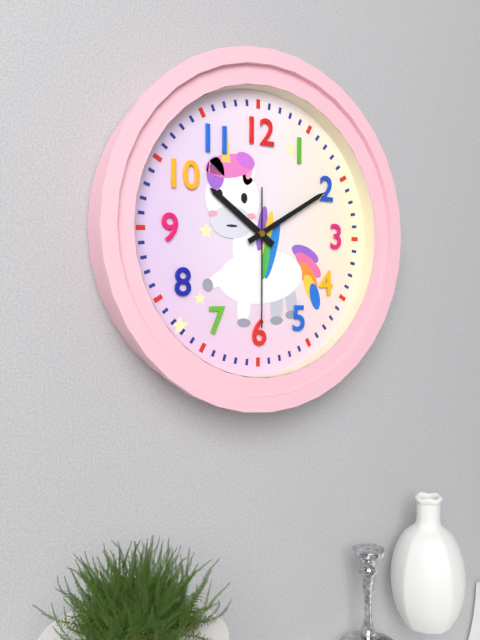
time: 10:10:30
